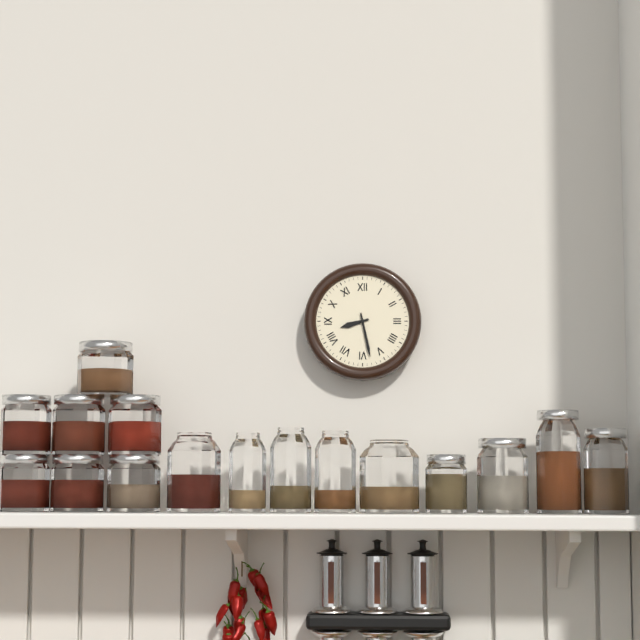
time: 8:28
